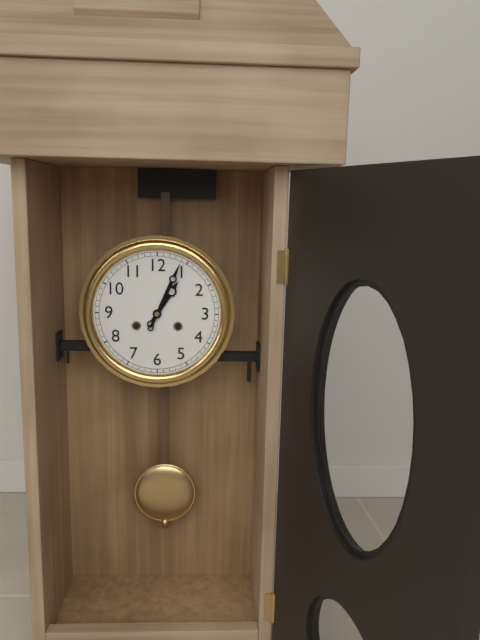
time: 1:04
